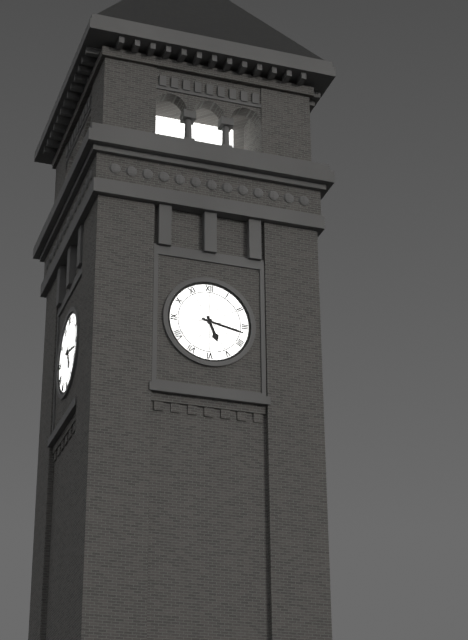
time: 5:17
